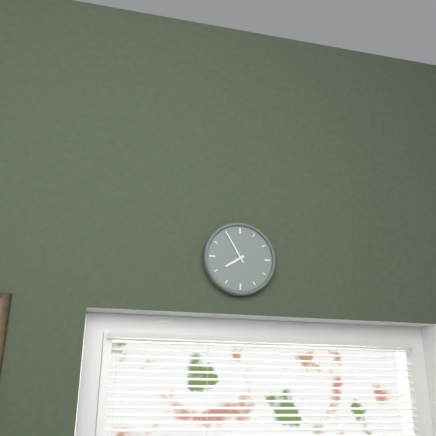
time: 7:55
